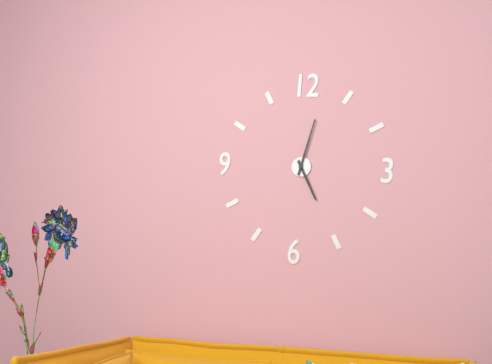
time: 5:02
